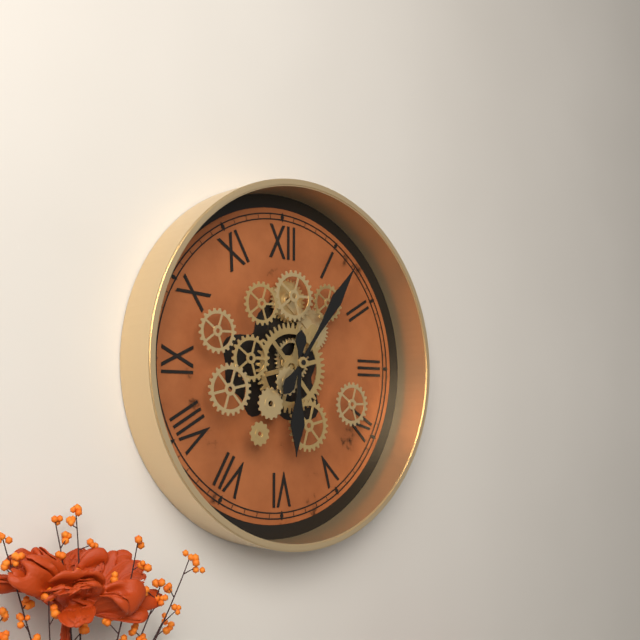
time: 6:06
